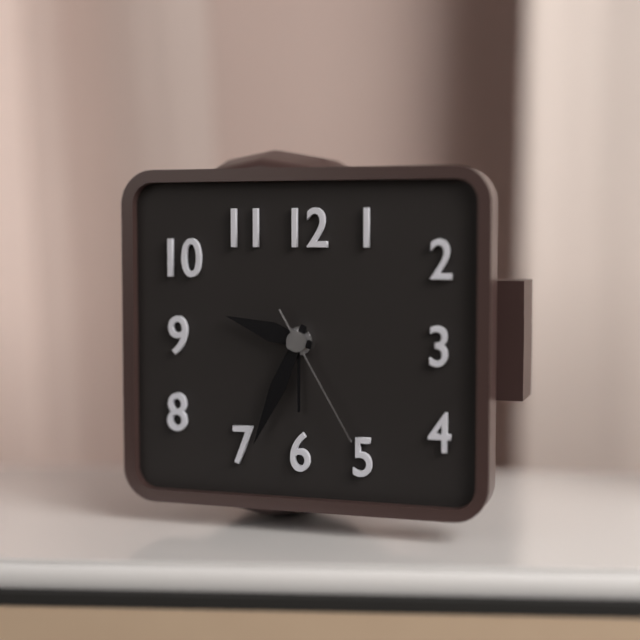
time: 9:34:25
